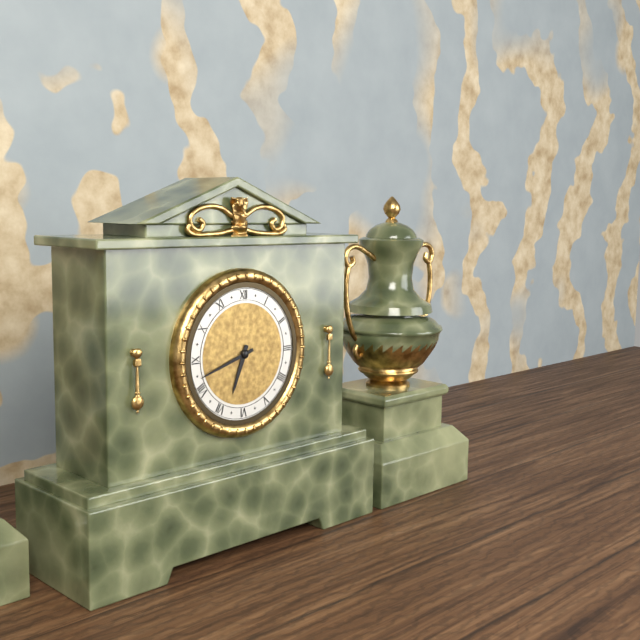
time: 6:42
